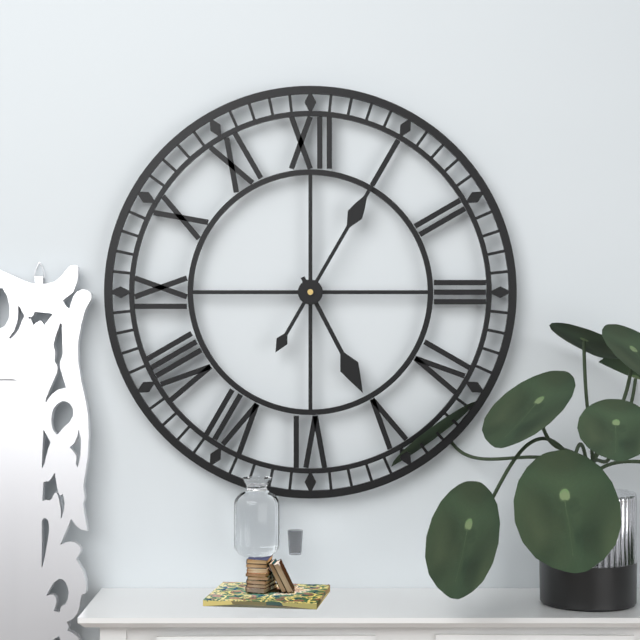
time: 5:05
